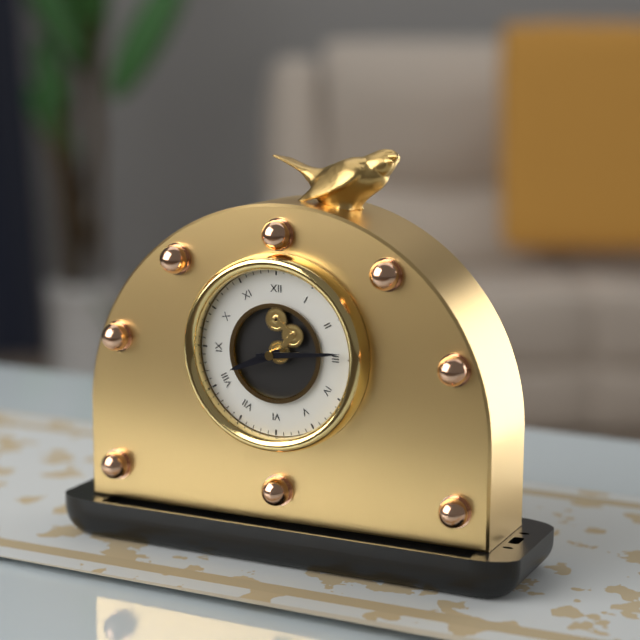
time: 8:14
